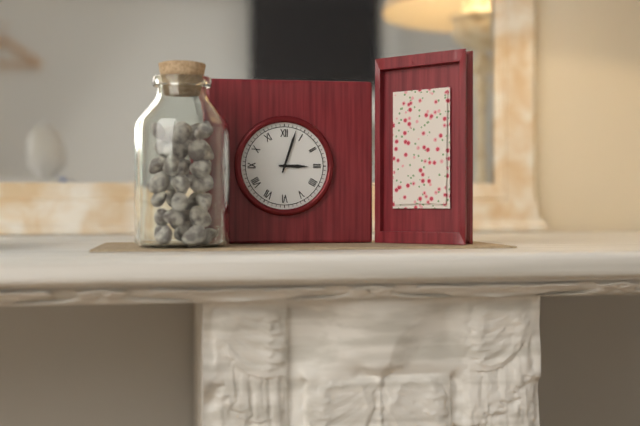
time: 3:03
